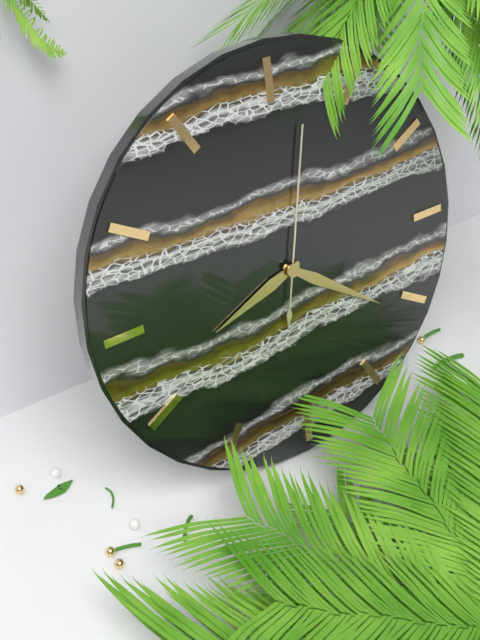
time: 8:21:02
